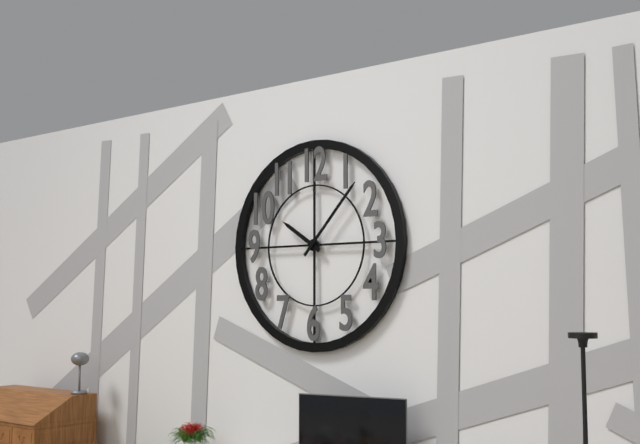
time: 10:07
